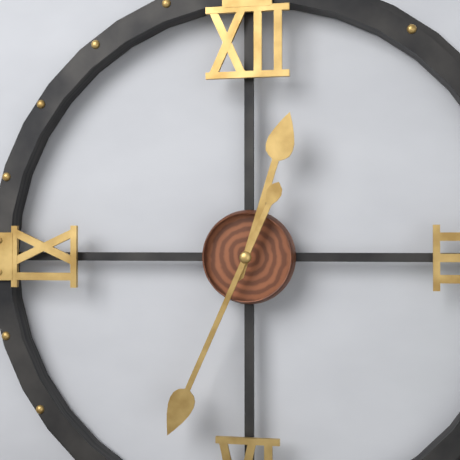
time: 12:34
